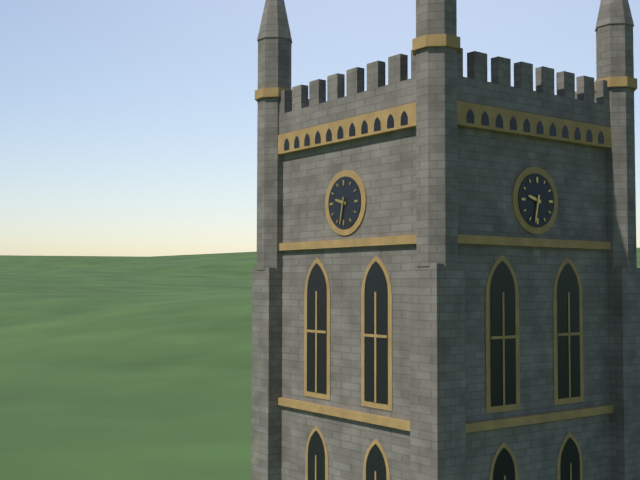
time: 9:32
